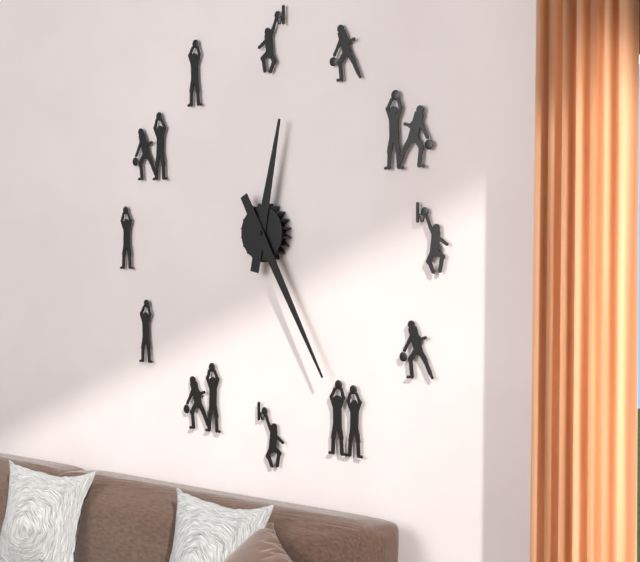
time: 12:25
